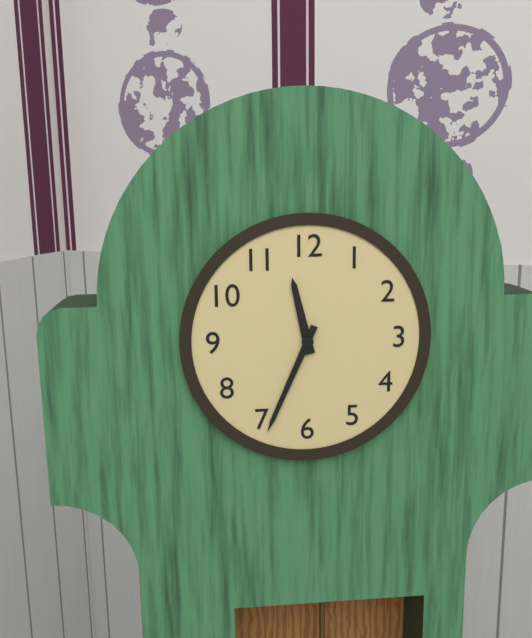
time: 11:34
